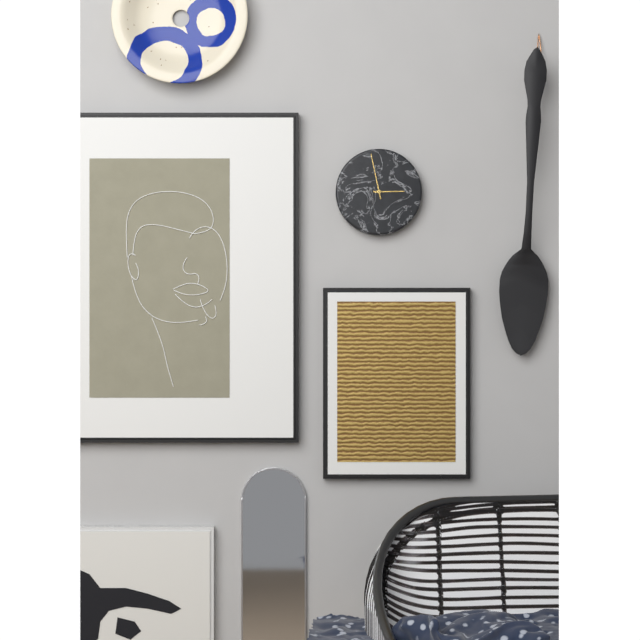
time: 2:58
